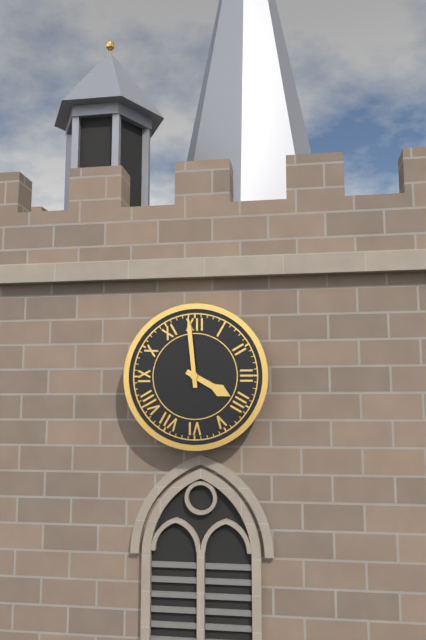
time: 3:59
